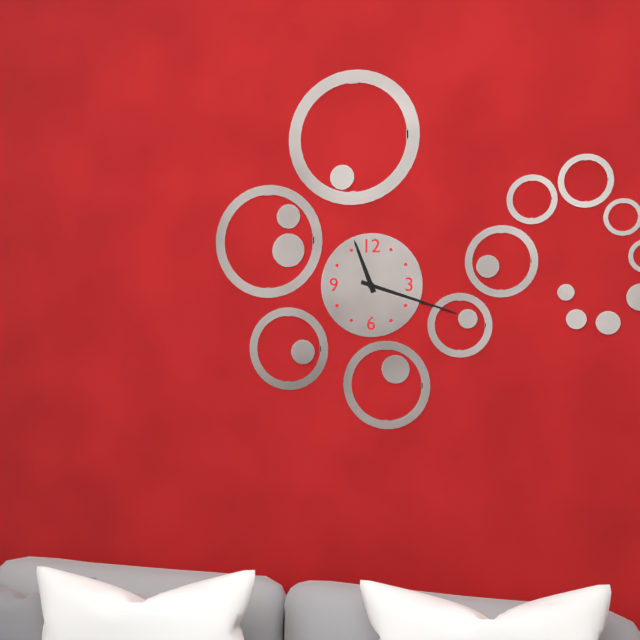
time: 11:18
